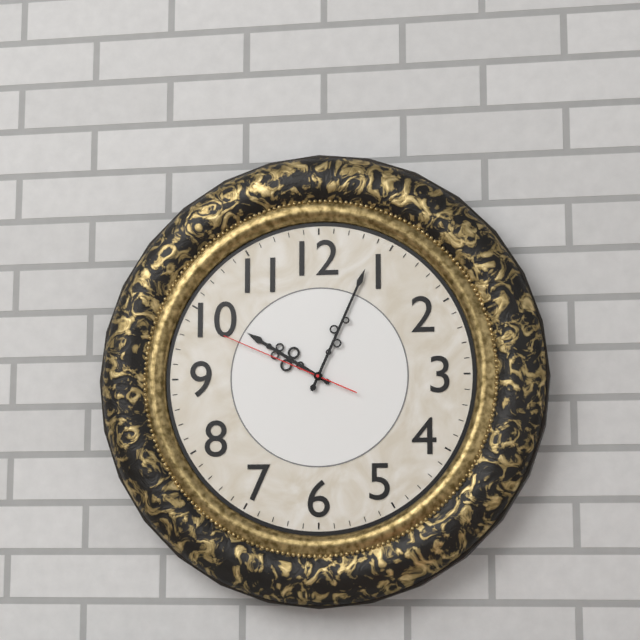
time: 10:04:49
